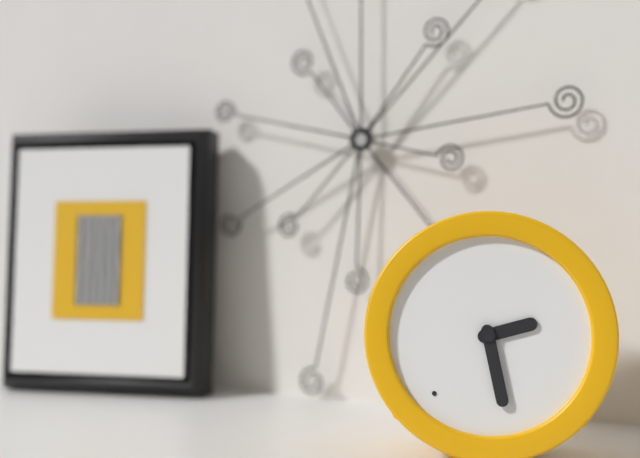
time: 2:28
